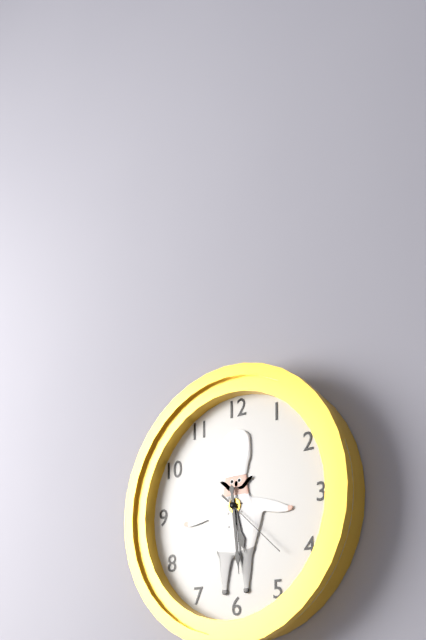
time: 5:29:22
